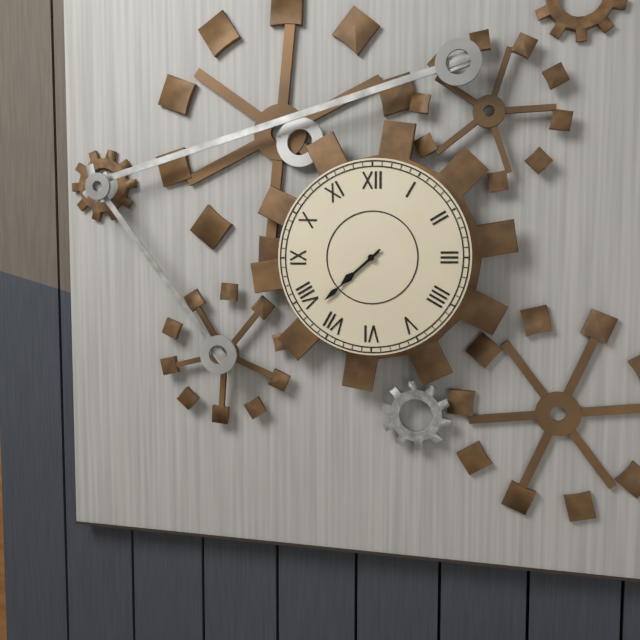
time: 7:38
